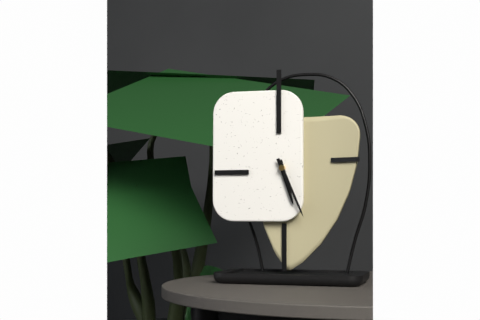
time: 5:26
